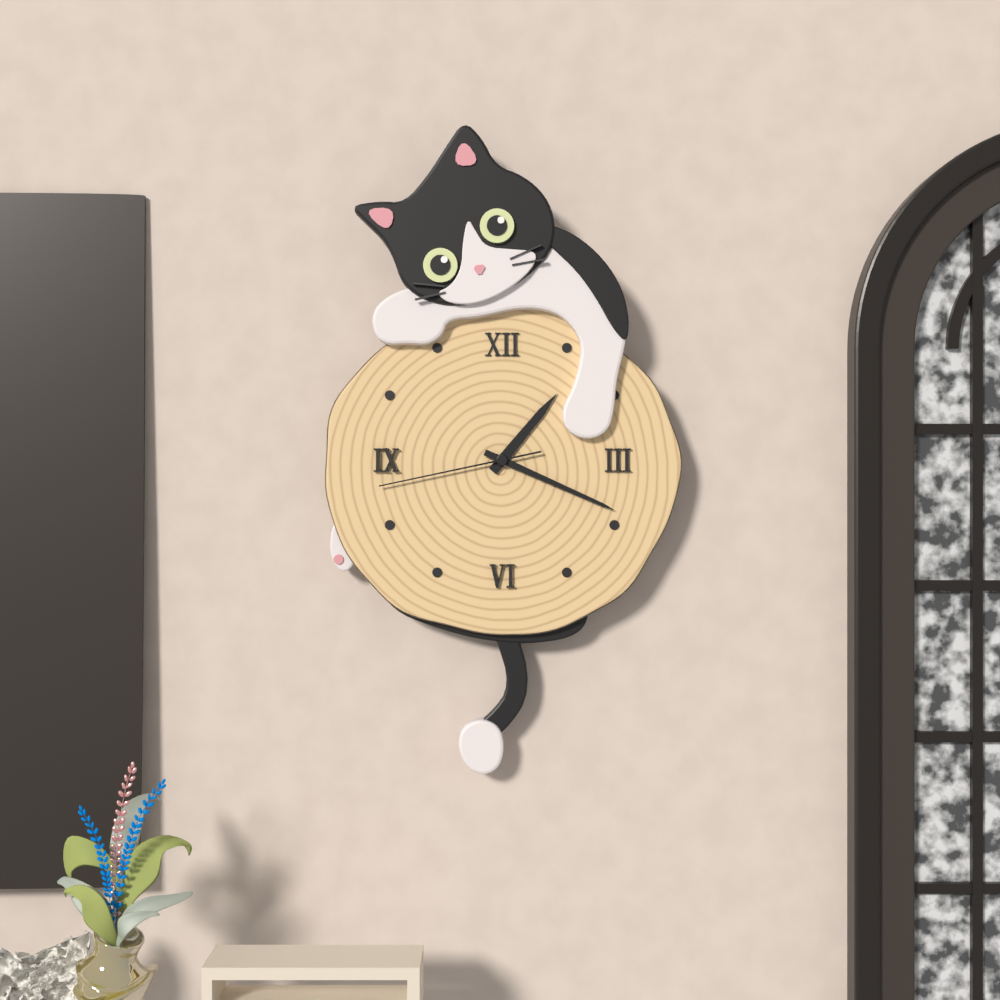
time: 1:19:43
